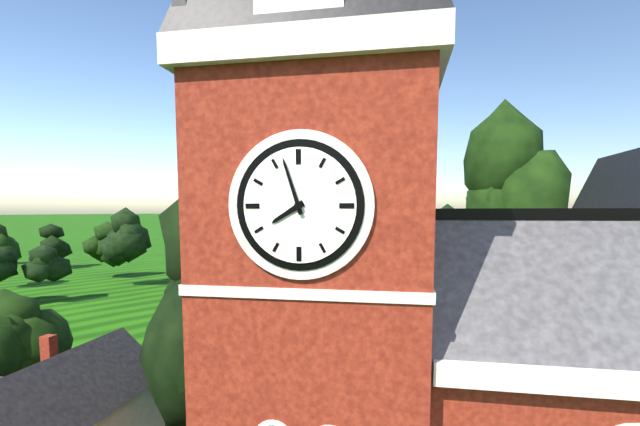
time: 7:57
